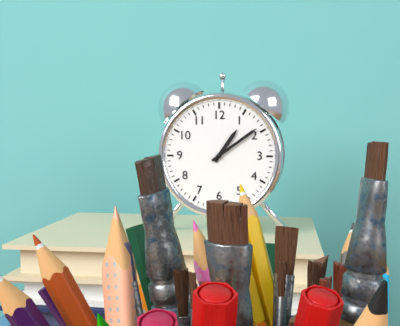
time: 1:09
